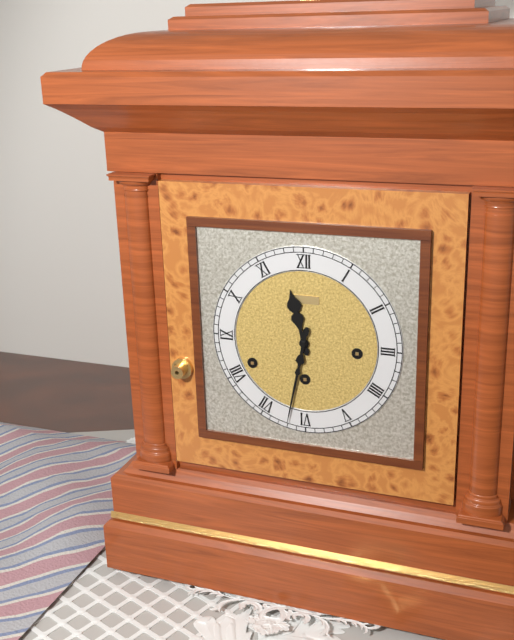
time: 11:32
